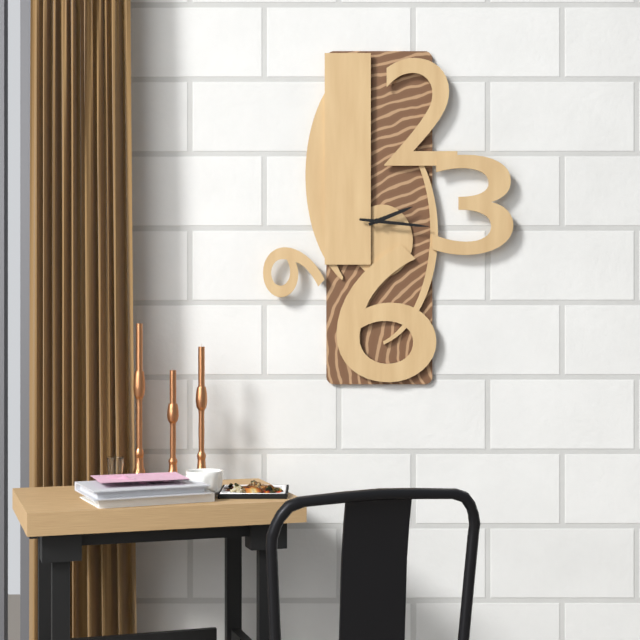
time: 2:16
